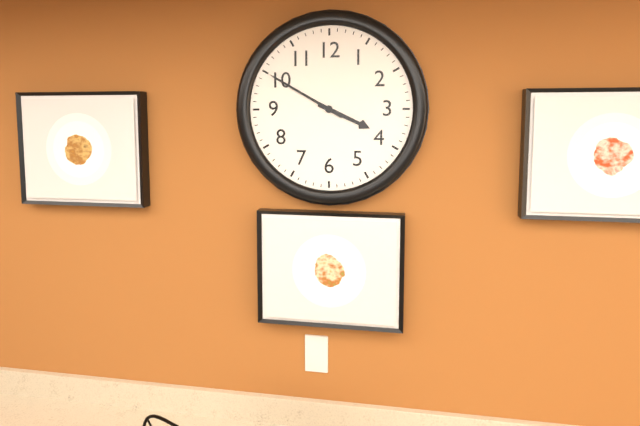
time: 3:50
